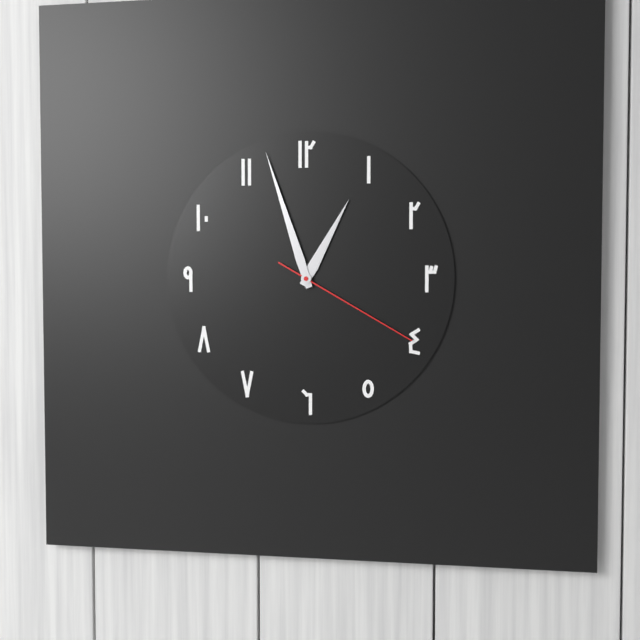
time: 12:57:20
